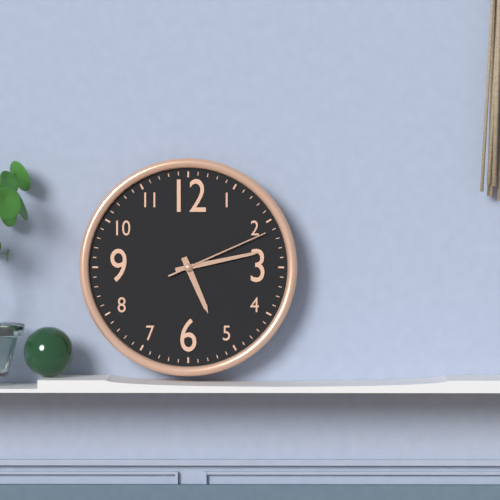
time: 5:13:11
